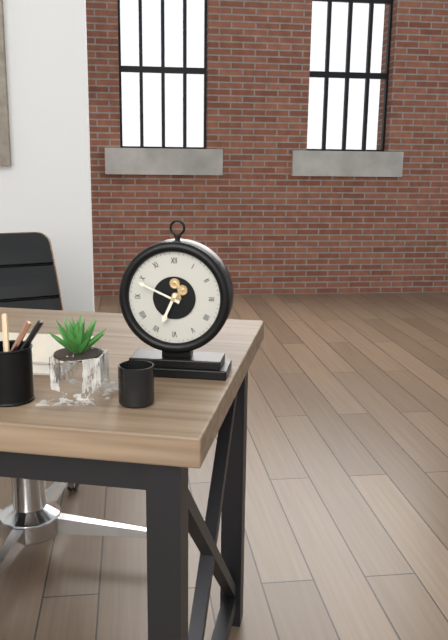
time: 6:49
